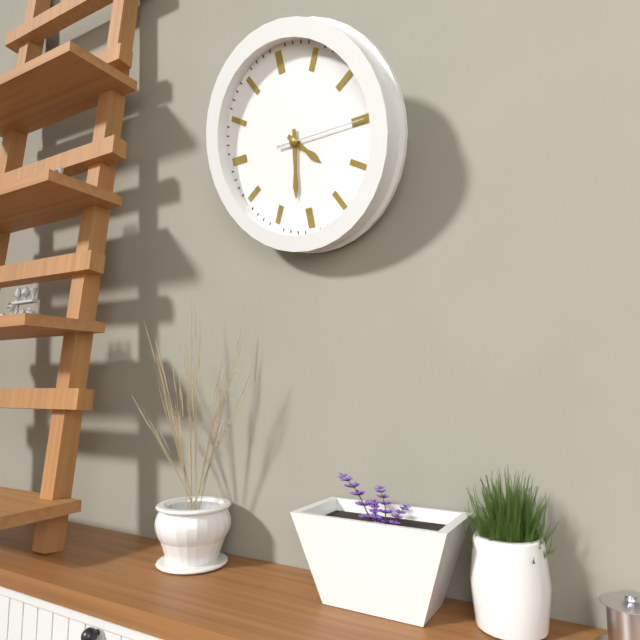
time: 4:32:15
